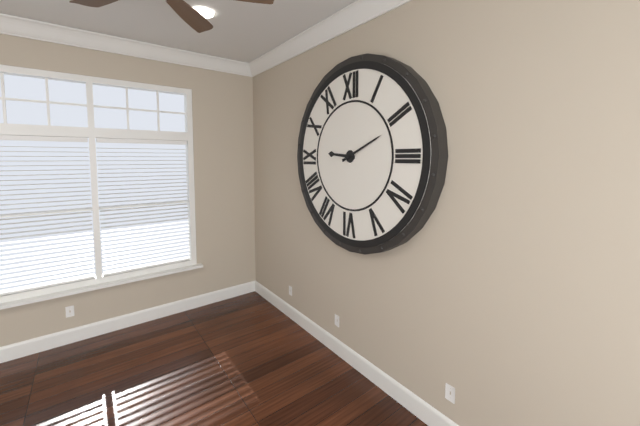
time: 9:11
